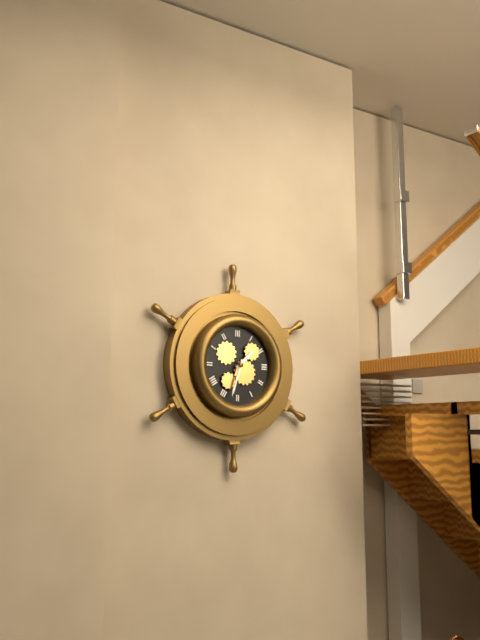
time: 1:33
